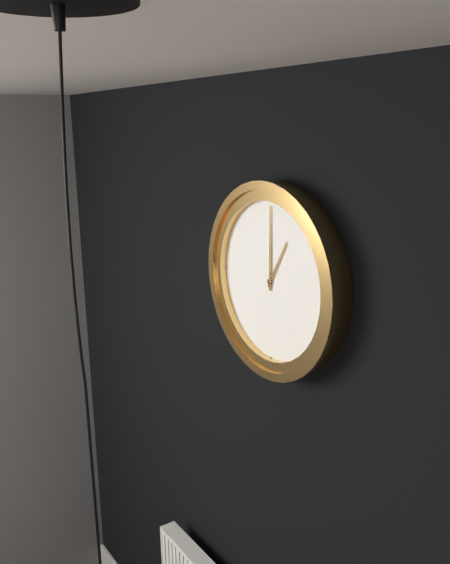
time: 1:00
